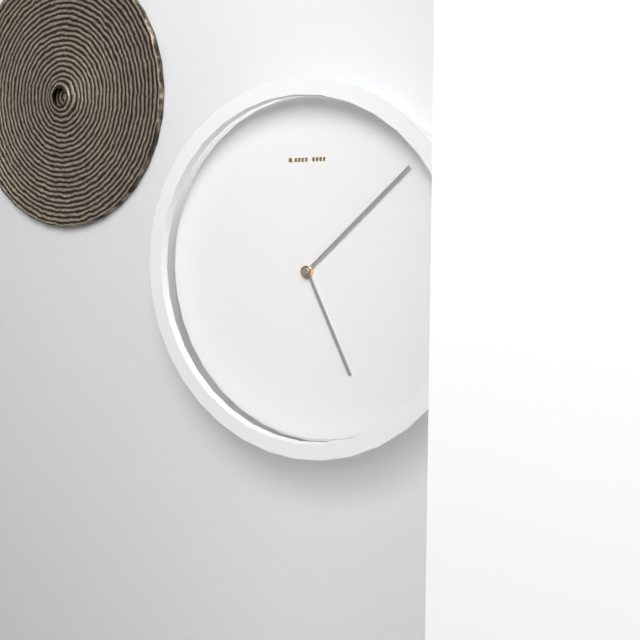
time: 5:08
